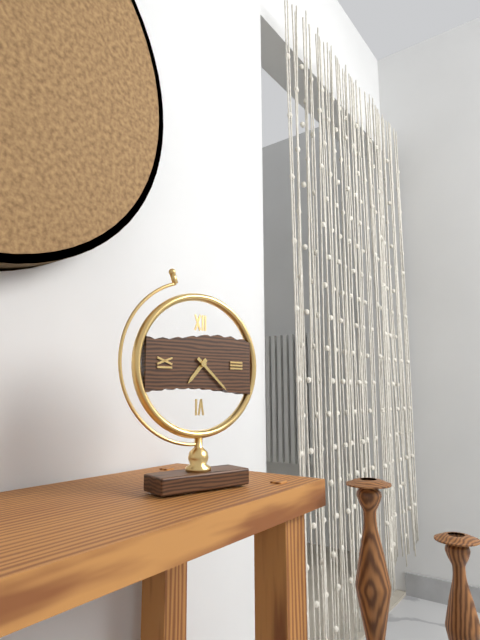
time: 7:22
